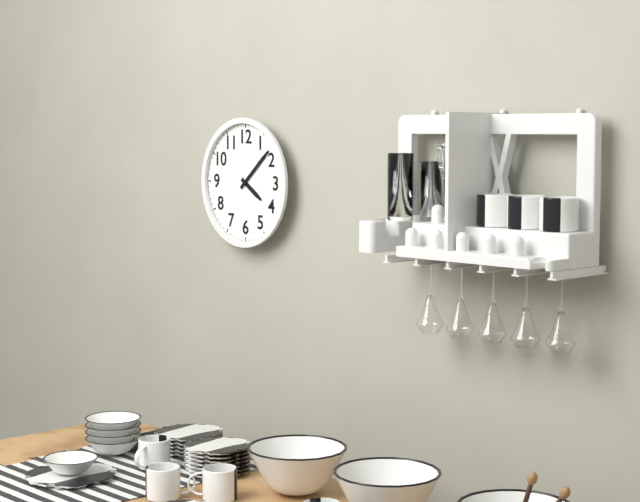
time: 4:08
